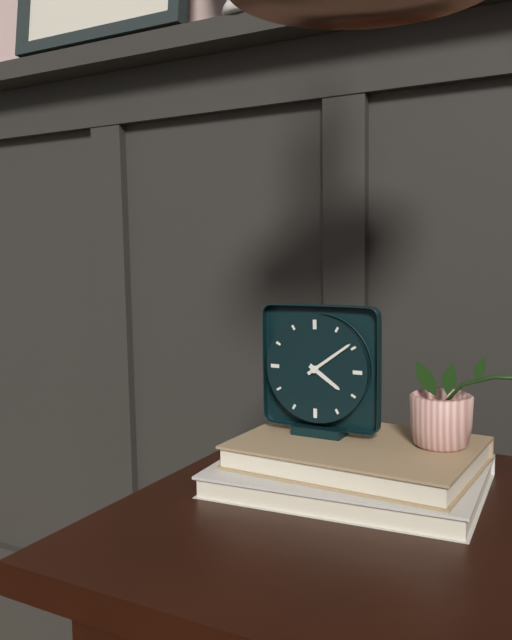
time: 4:09
